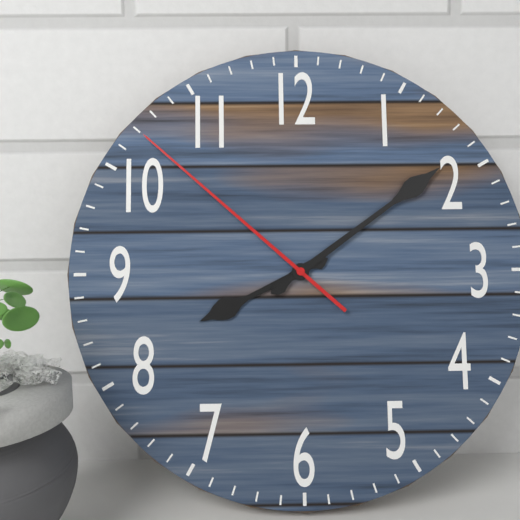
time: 8:09:52
